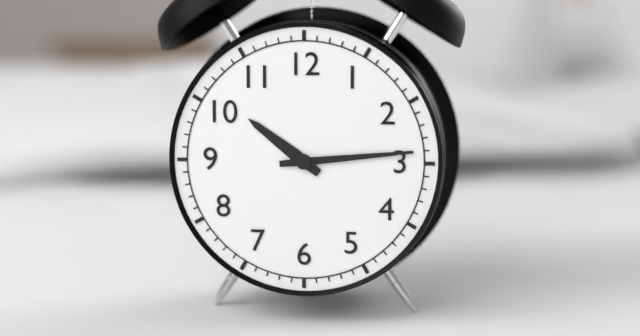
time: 10:14
